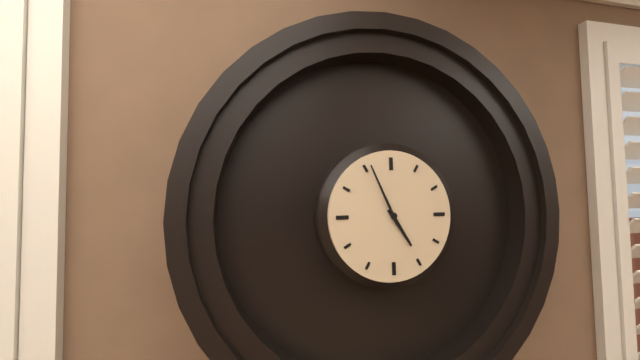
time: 4:56
